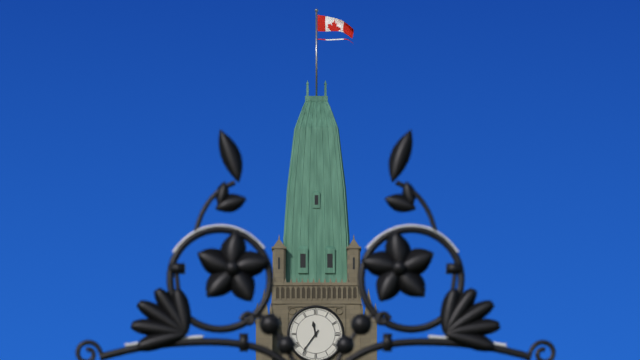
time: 11:36
